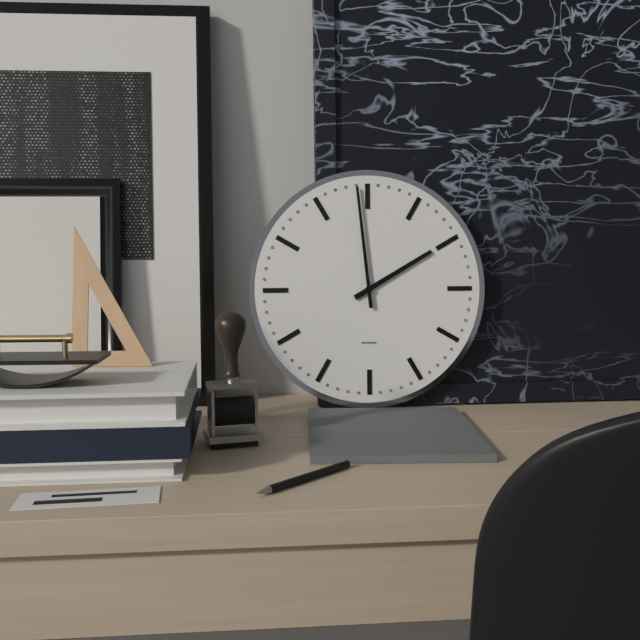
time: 1:59
